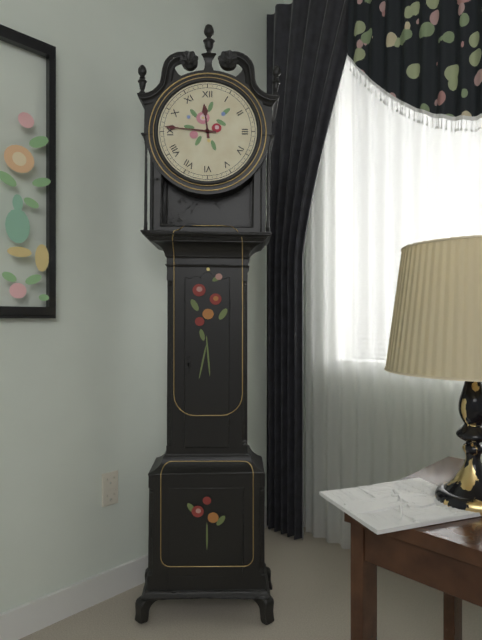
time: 11:46
